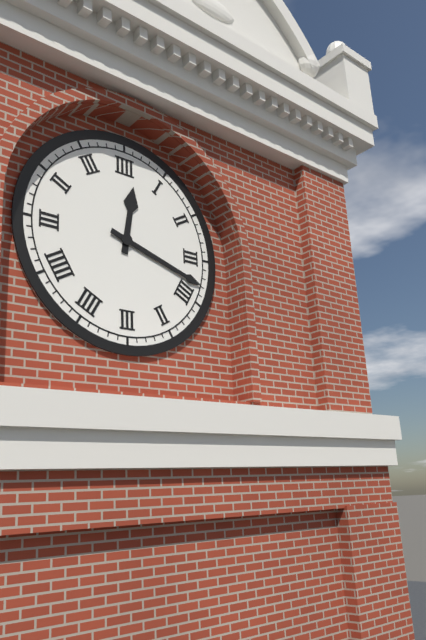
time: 12:18
